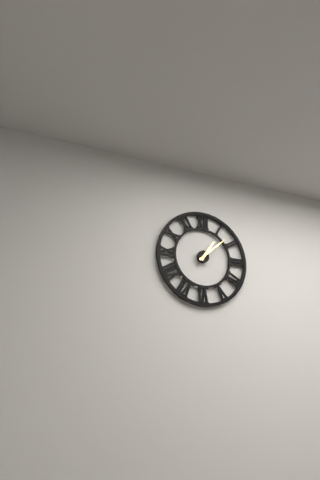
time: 1:08
